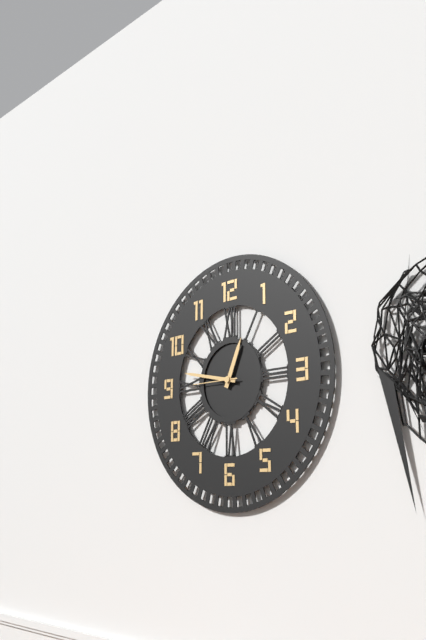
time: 12:47
